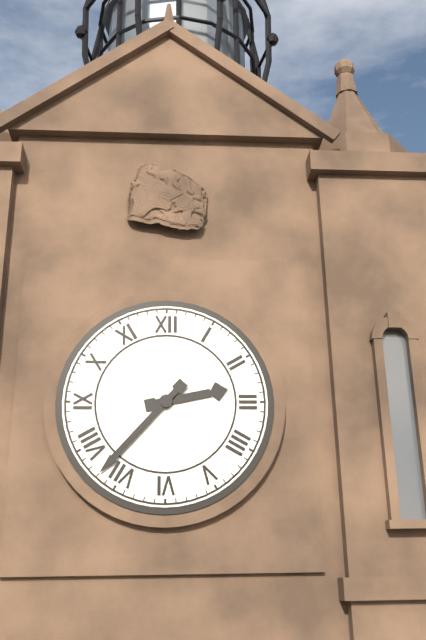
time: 2:37
